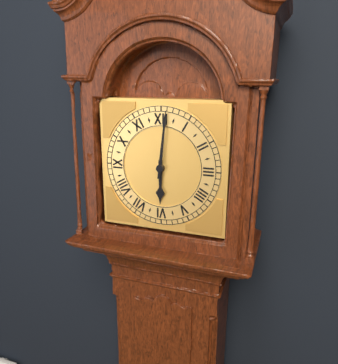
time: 6:01
